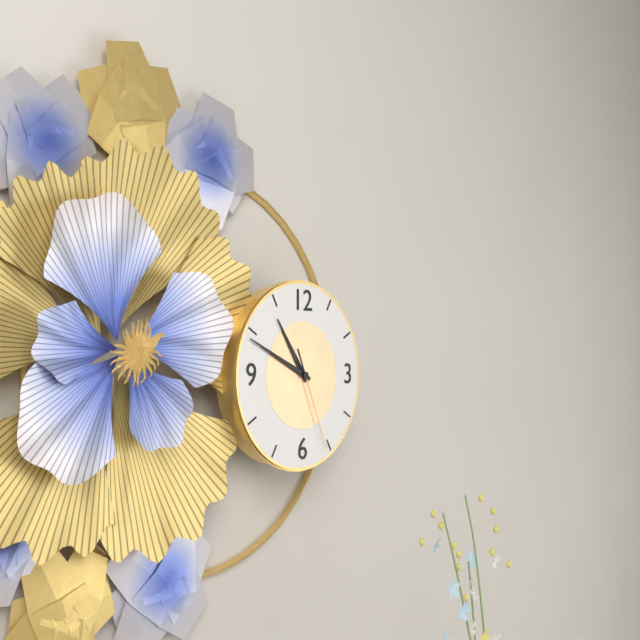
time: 10:49:26
